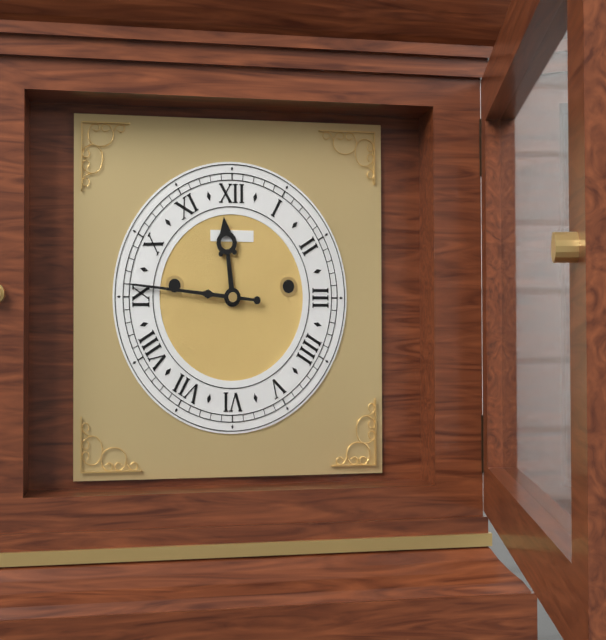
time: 11:46
